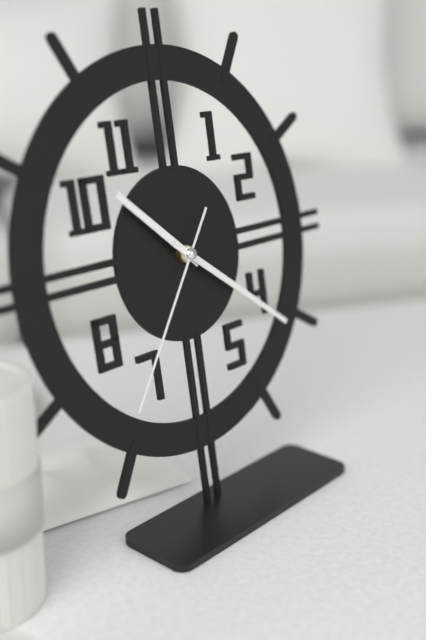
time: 10:21:36
